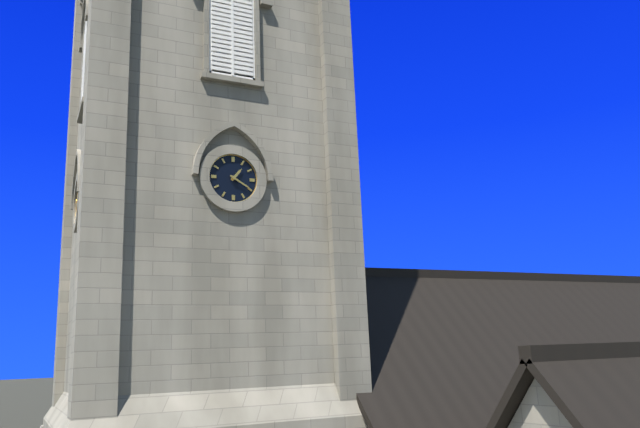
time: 1:20
